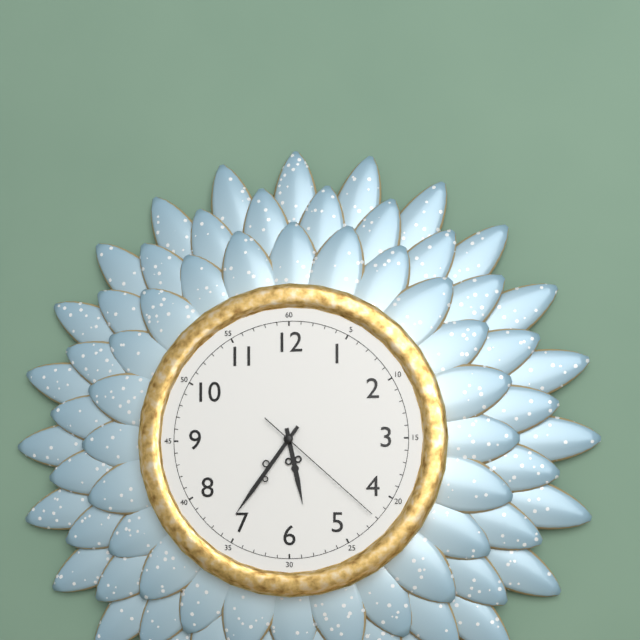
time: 5:36:22
